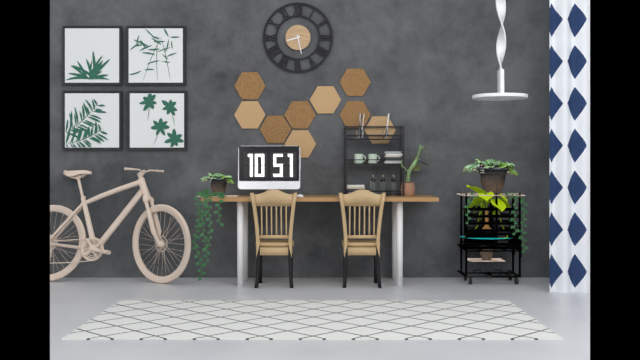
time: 8:28
